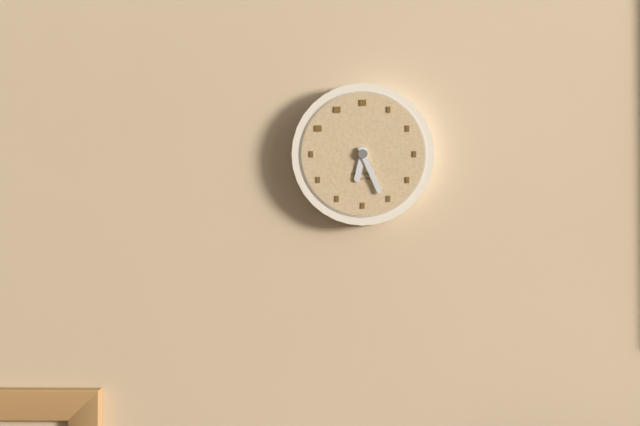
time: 6:26
